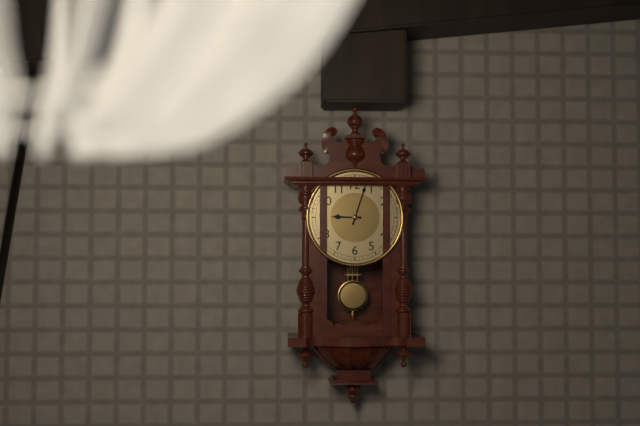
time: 9:03
